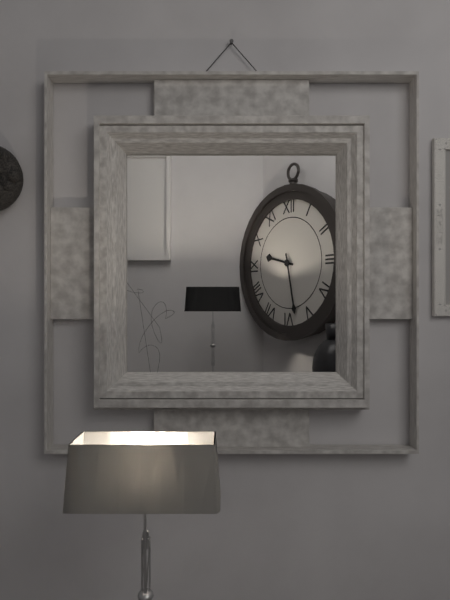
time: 9:28
